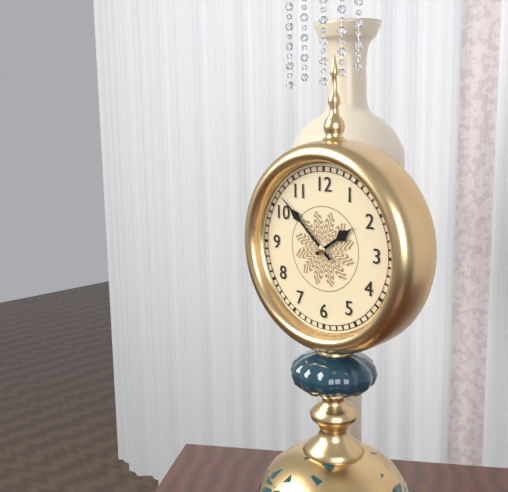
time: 1:52
